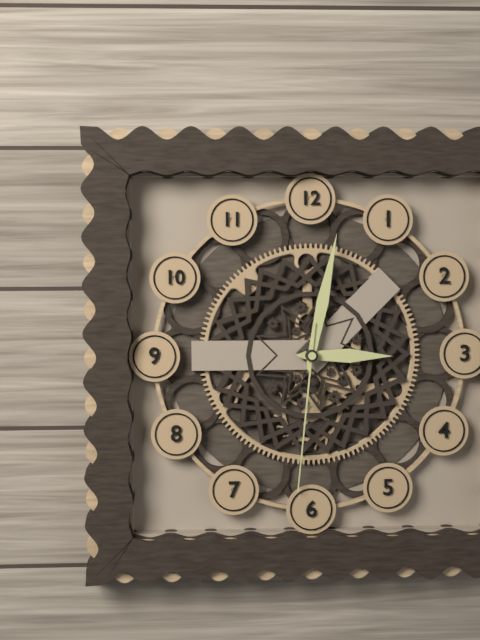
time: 3:02:31
